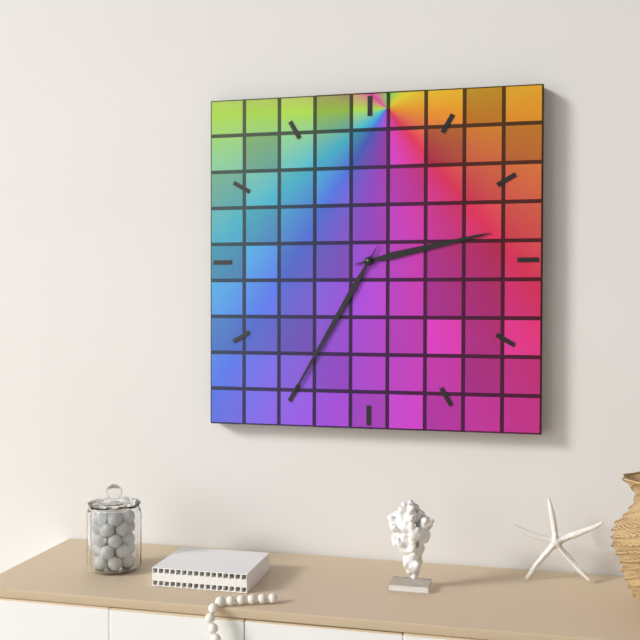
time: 2:35
